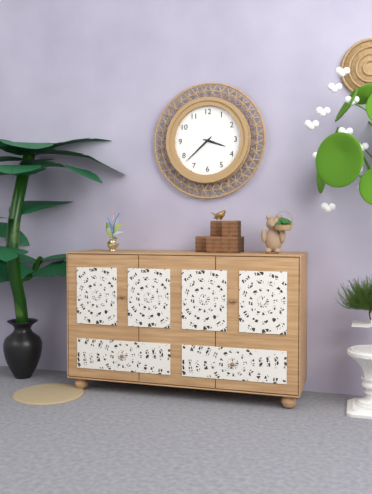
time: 3:38
